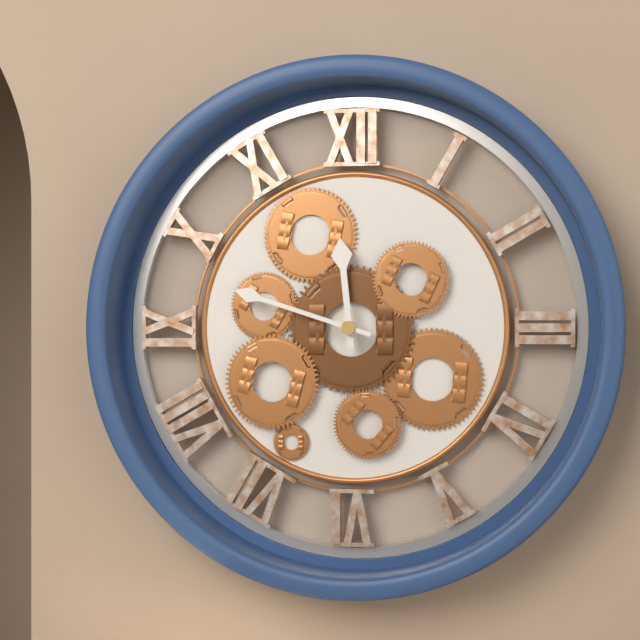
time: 11:48
